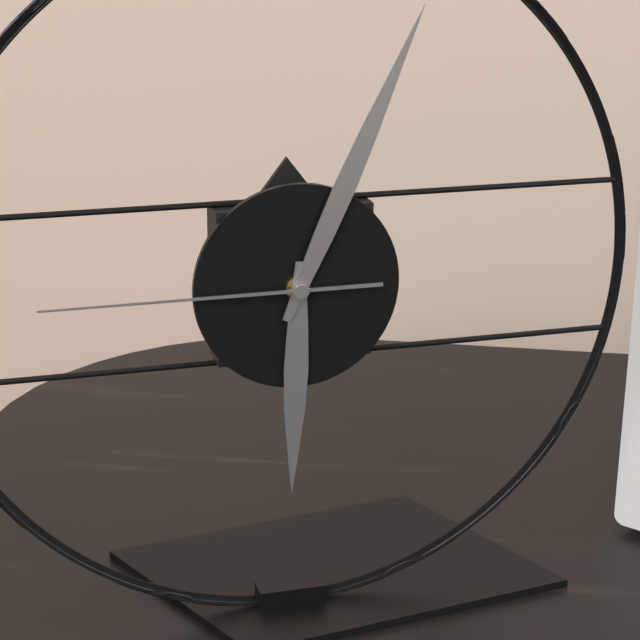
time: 6:04:45
